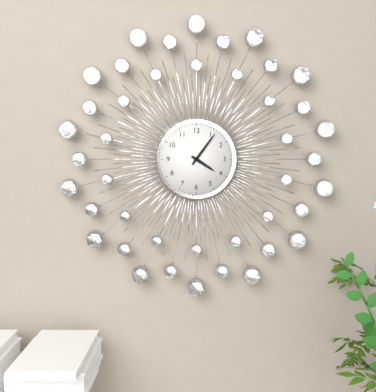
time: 4:06
